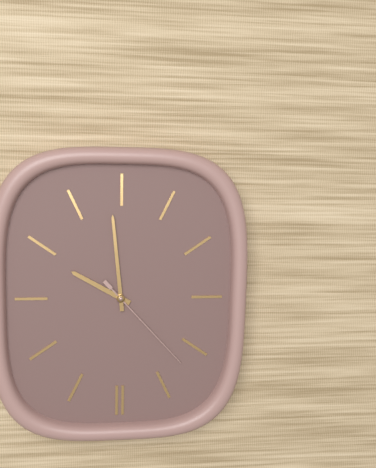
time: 9:59:23
